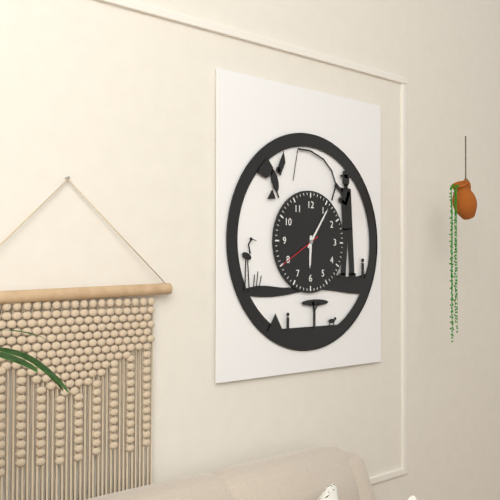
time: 6:06
